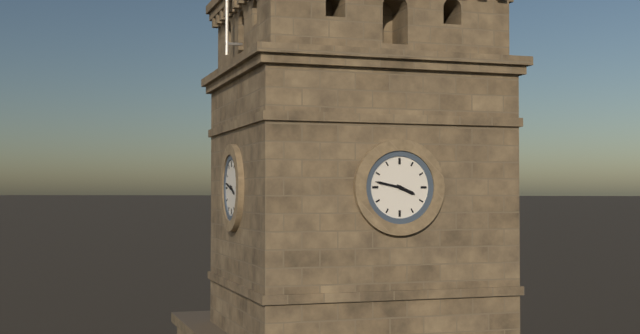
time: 3:47
